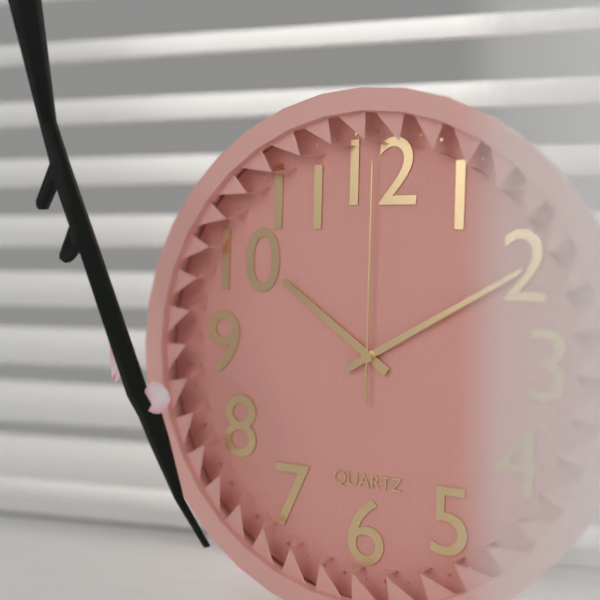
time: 10:10:00
